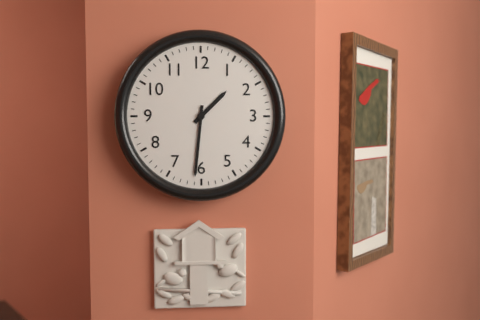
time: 1:31
